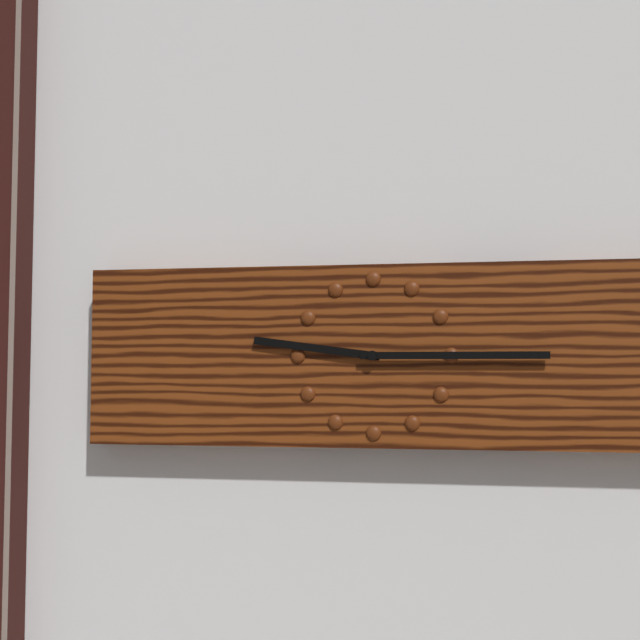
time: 9:15
